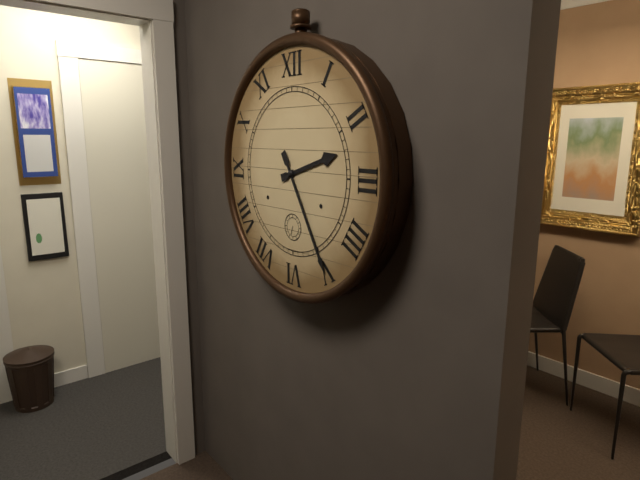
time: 2:25
